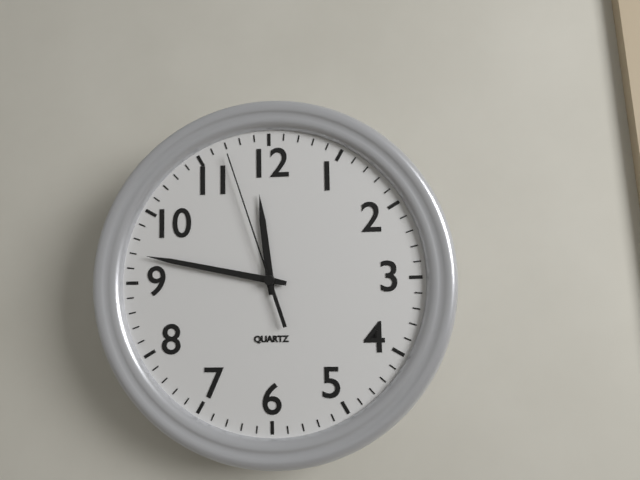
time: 11:47:57
